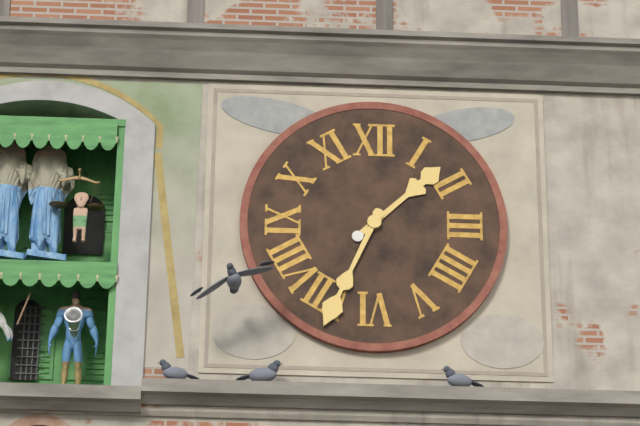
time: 1:34
